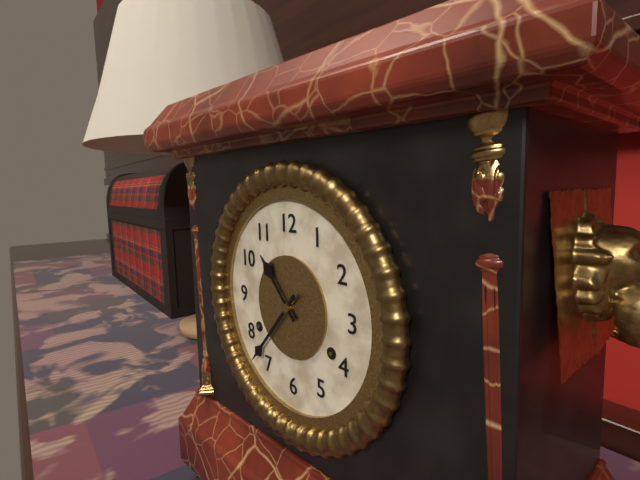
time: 10:37
